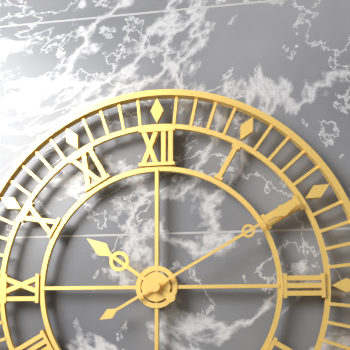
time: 10:10
